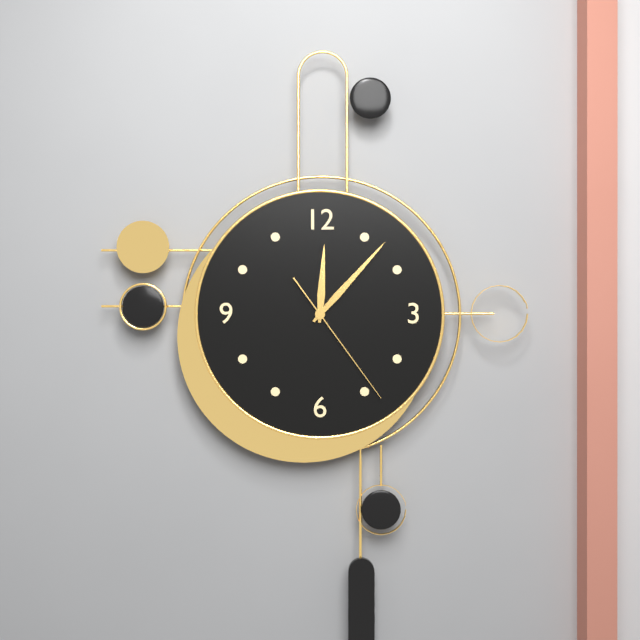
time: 12:07:24
